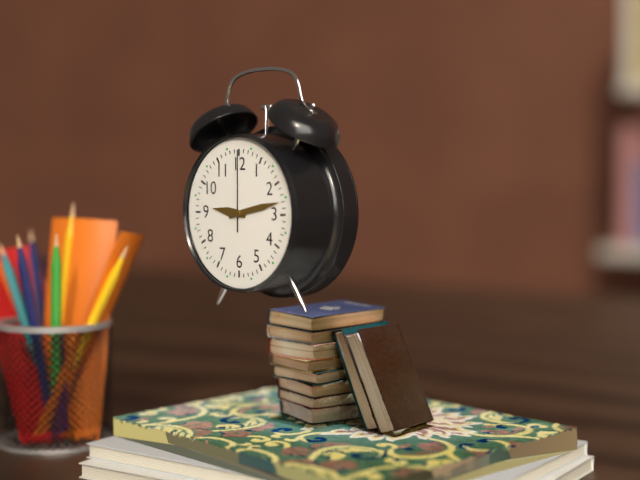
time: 9:13:00
